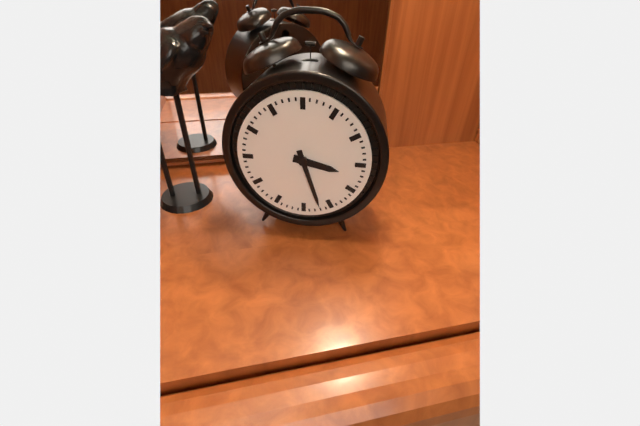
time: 3:27
